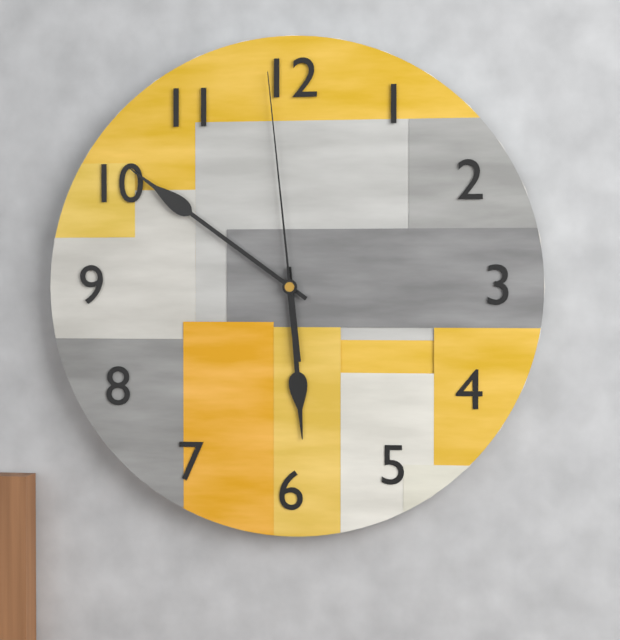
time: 5:51:59
